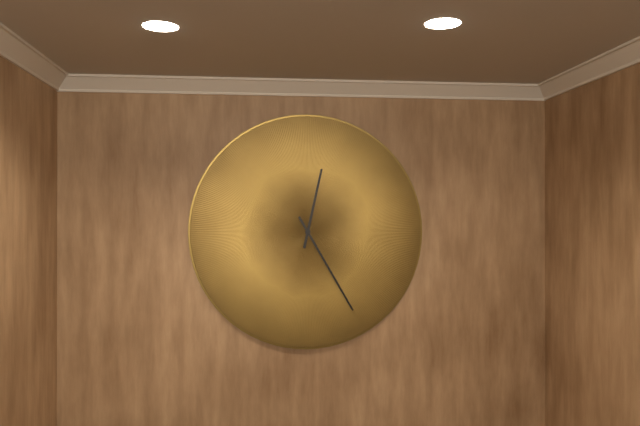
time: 12:25
